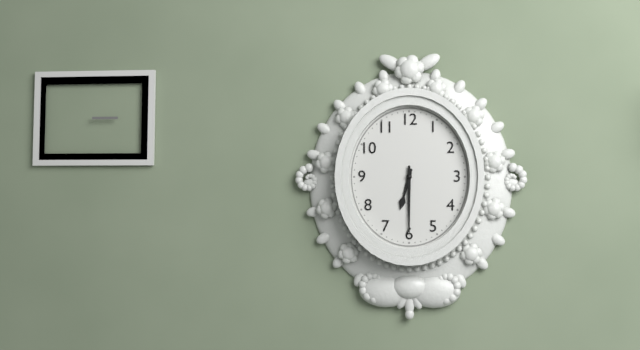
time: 6:30
